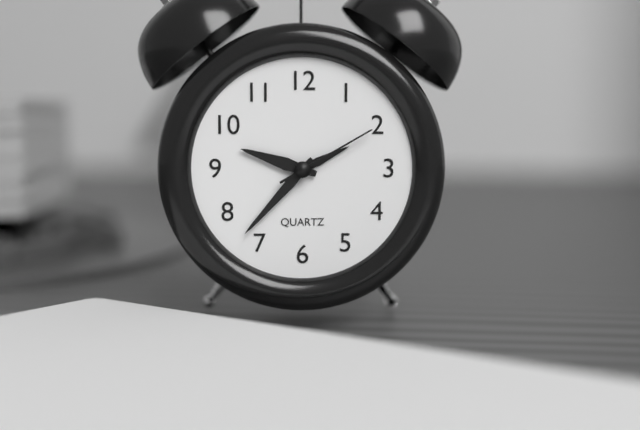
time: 9:37:10
